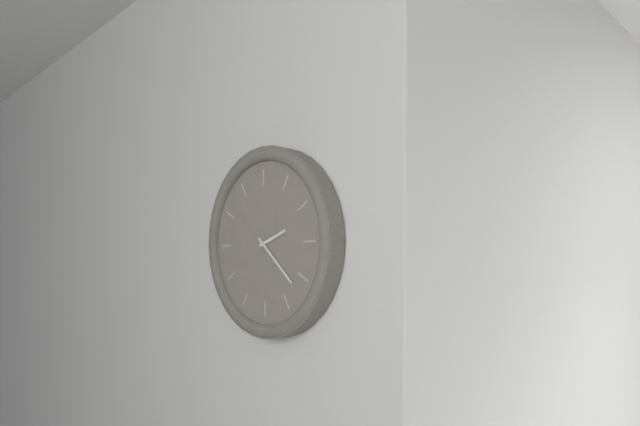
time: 2:22
